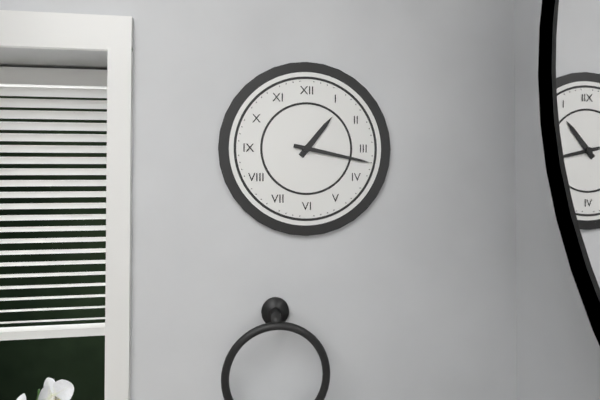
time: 1:17
